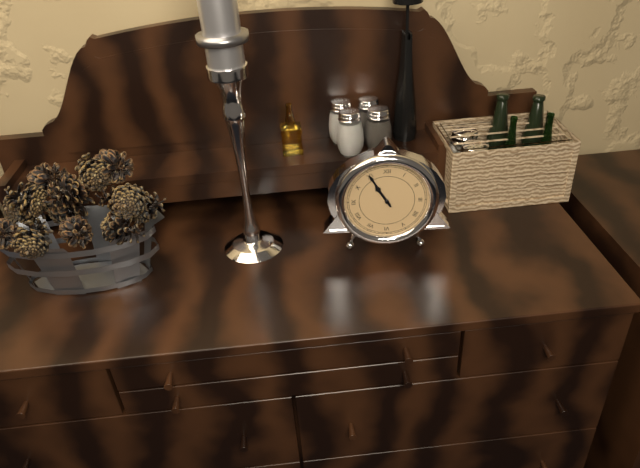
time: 10:55
